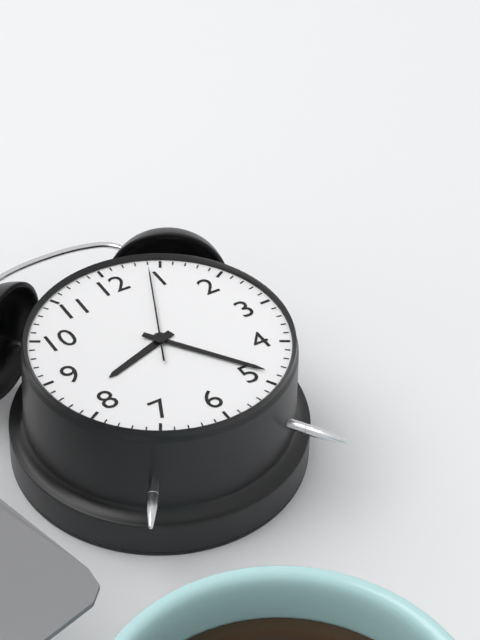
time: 8:24:04
